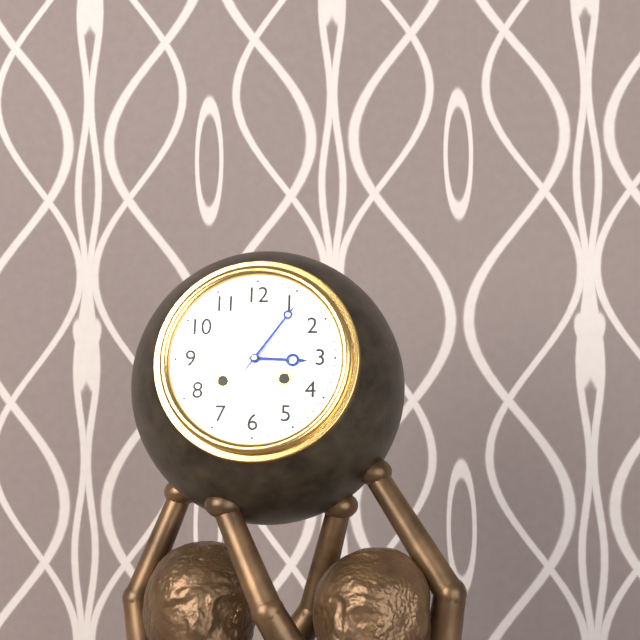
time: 3:06
